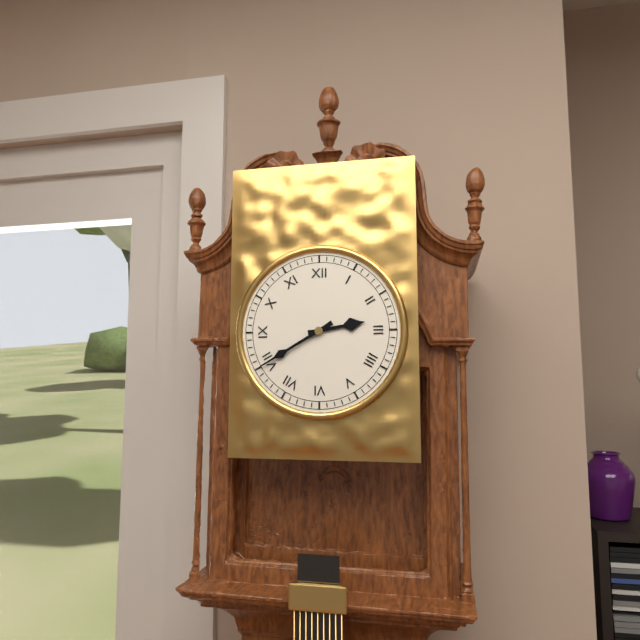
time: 2:40
